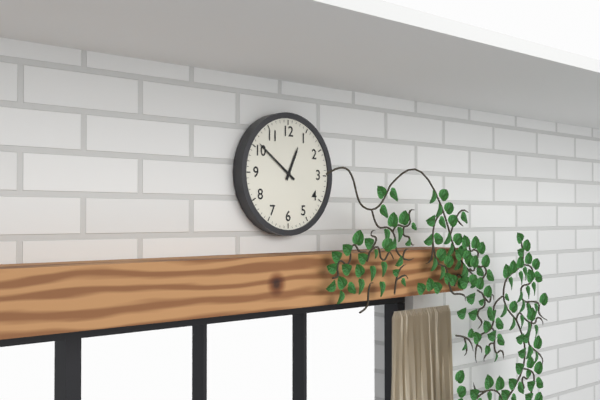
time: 12:51
